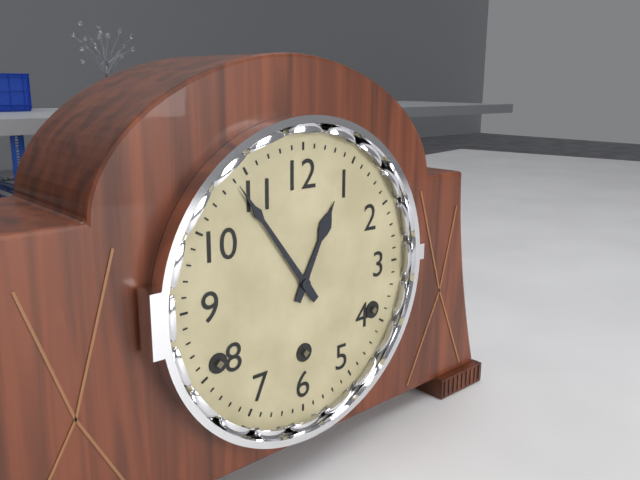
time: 12:54
